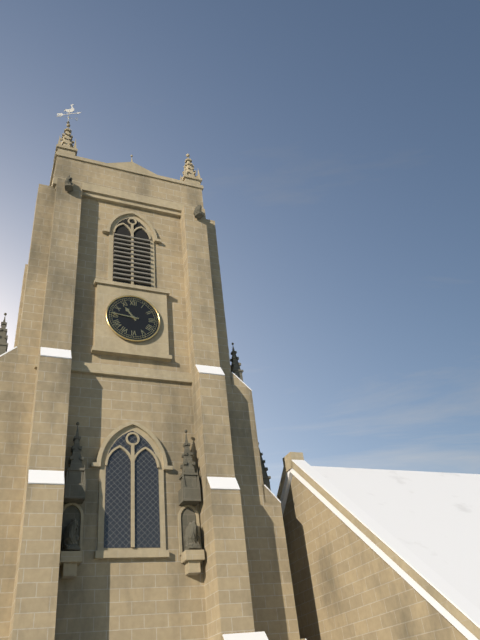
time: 10:46
